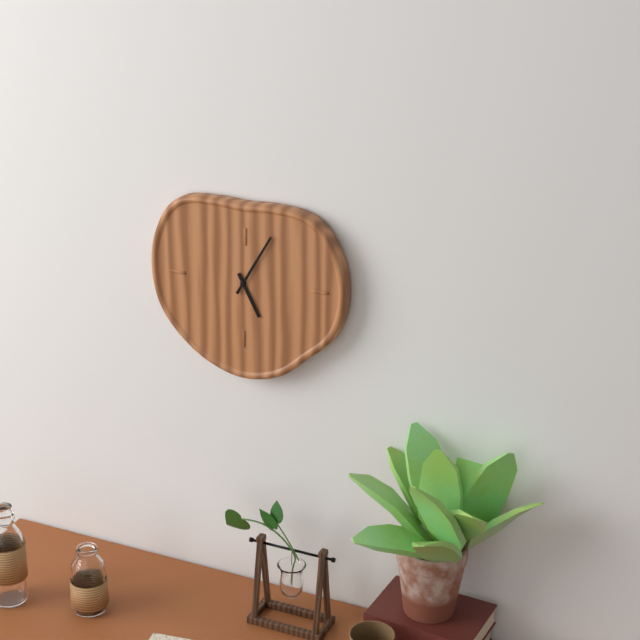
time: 5:05
